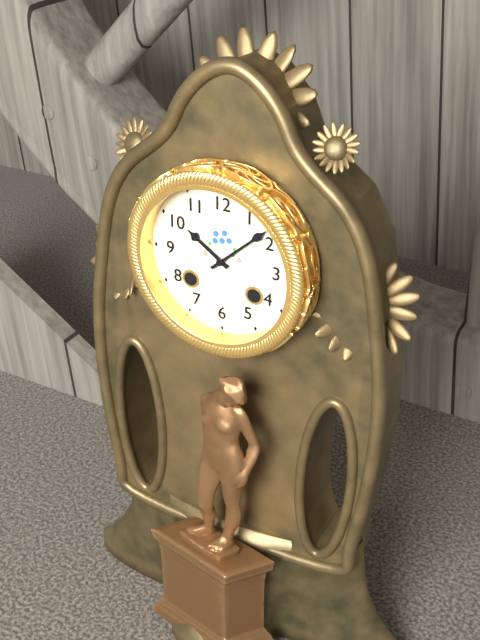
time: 10:08
